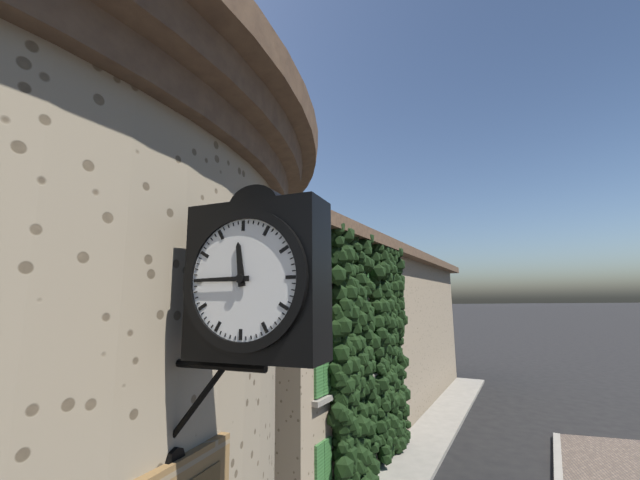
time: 11:45
